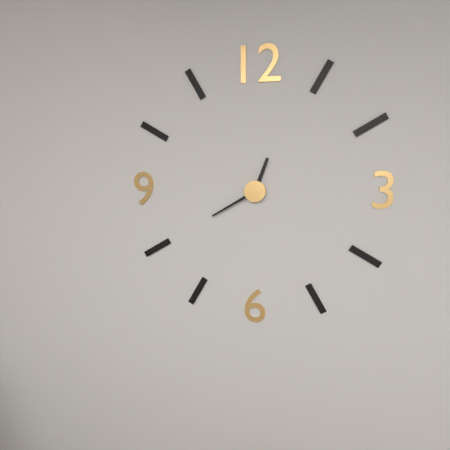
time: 12:40
